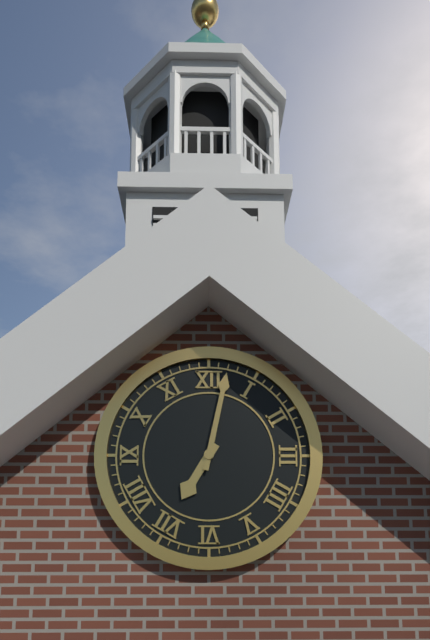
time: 7:02
